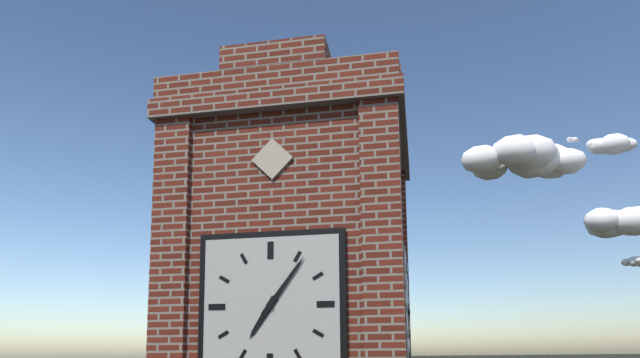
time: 7:06
